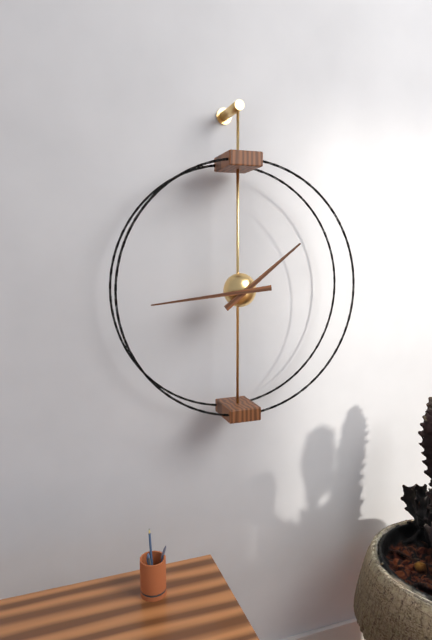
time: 1:44
